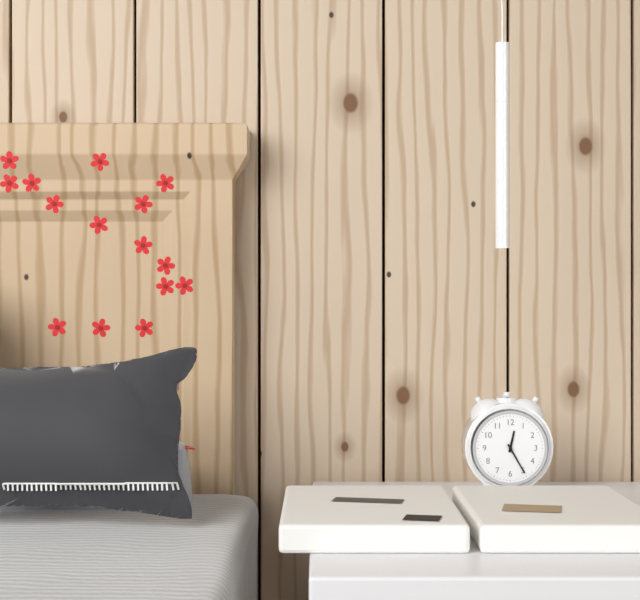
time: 12:25
